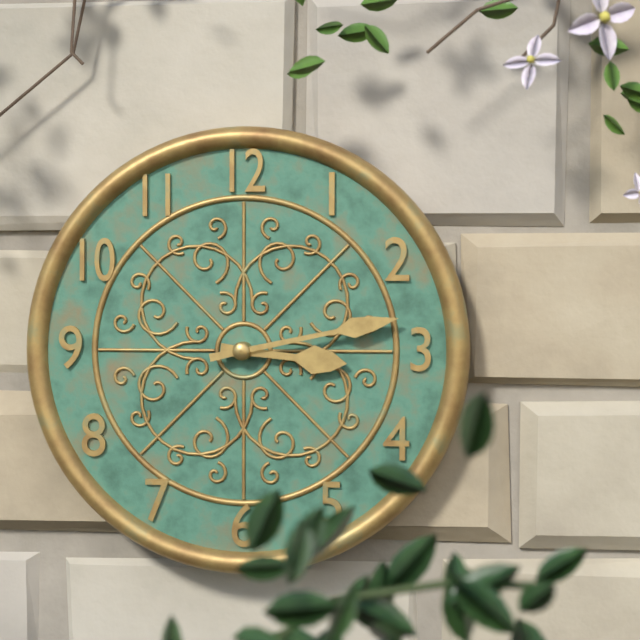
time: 3:13
